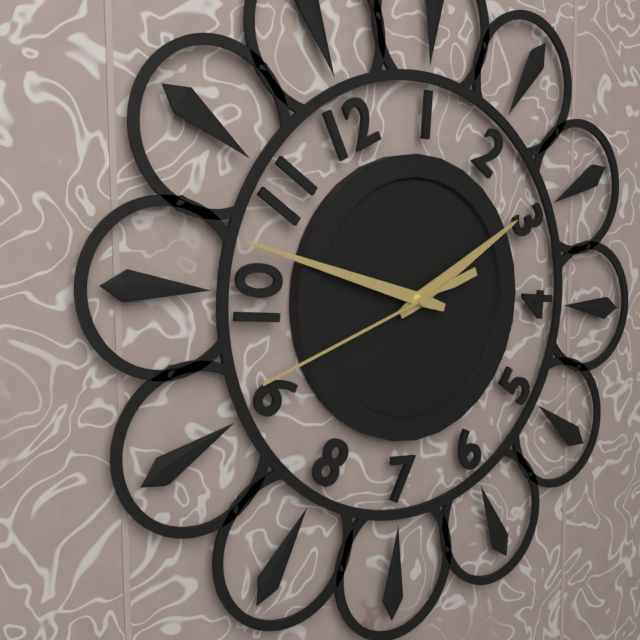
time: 2:52:46
